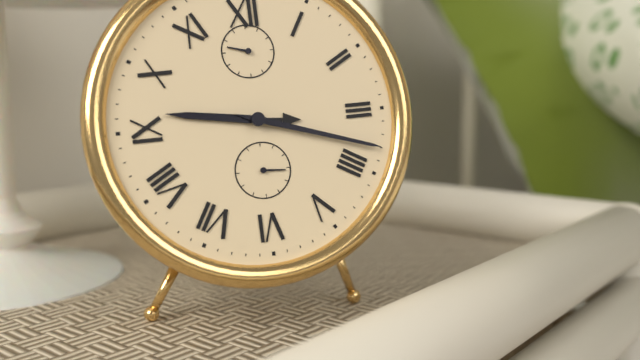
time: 9:18
